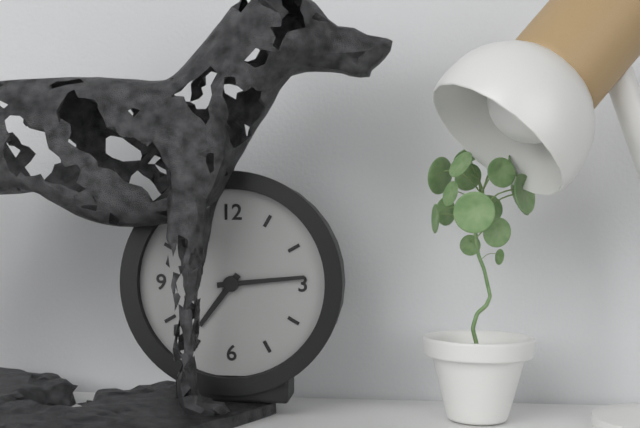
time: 7:14
